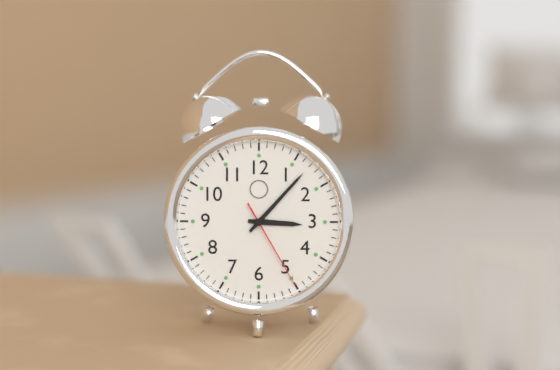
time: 3:07:25
